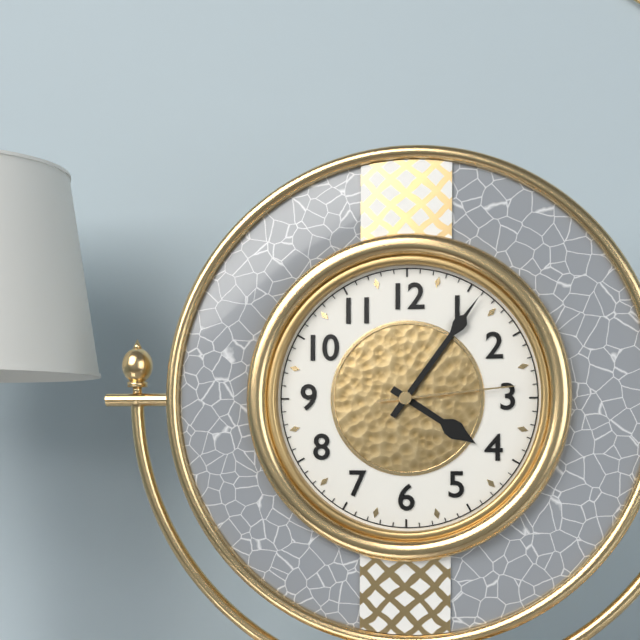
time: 4:06:14
